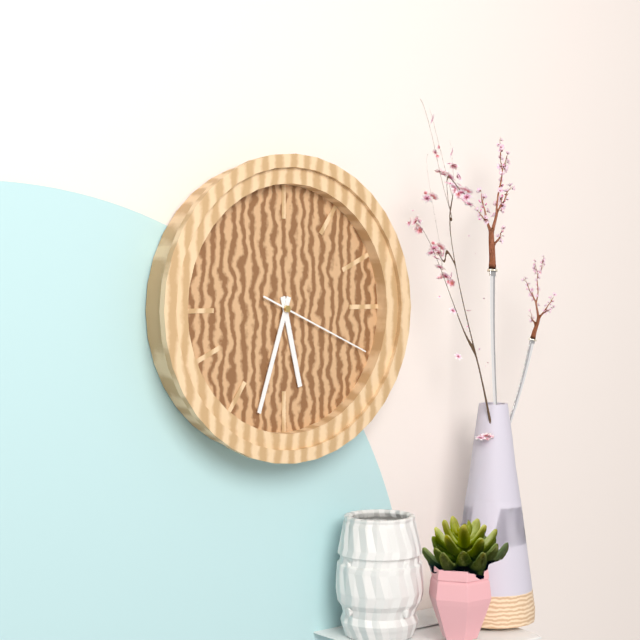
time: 5:33:19
